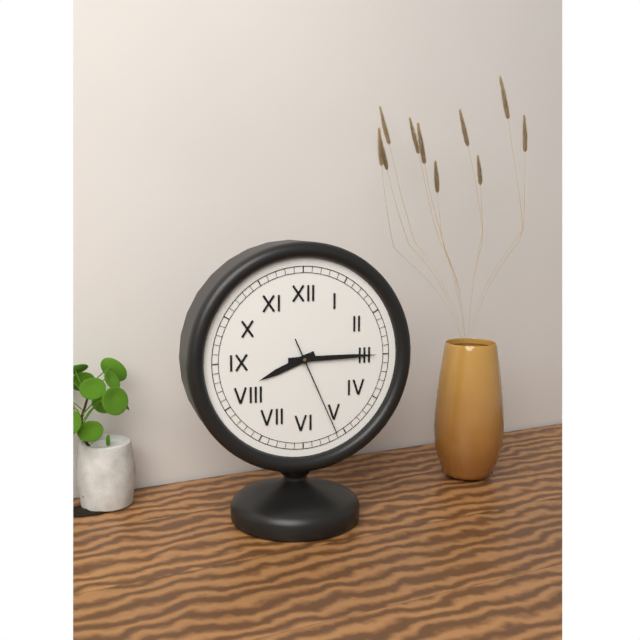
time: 8:15:26
